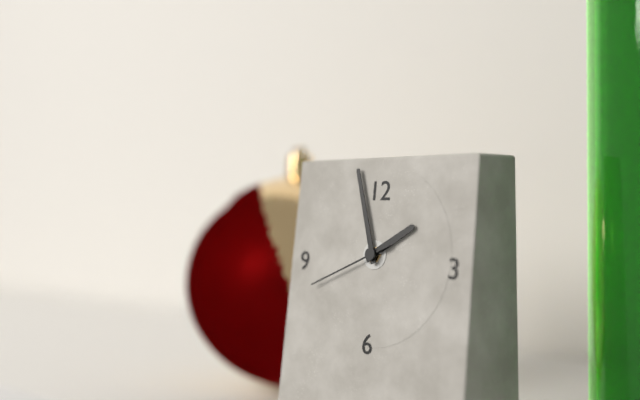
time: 1:57:41
